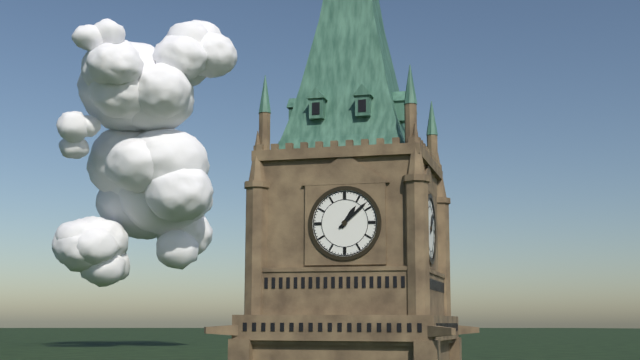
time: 1:08
